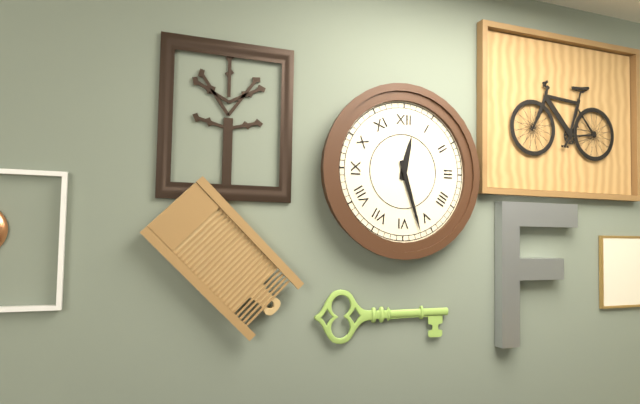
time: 12:27
